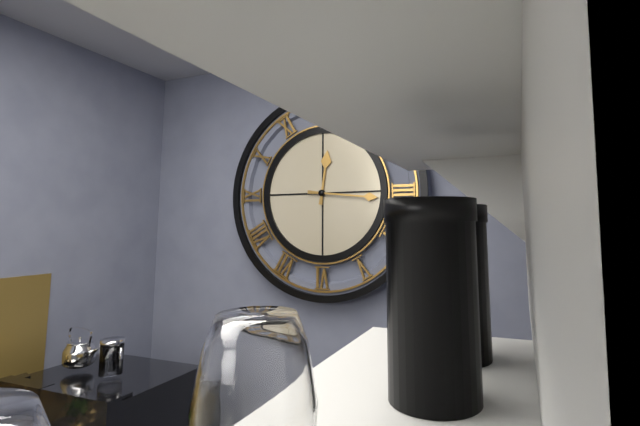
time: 12:16
